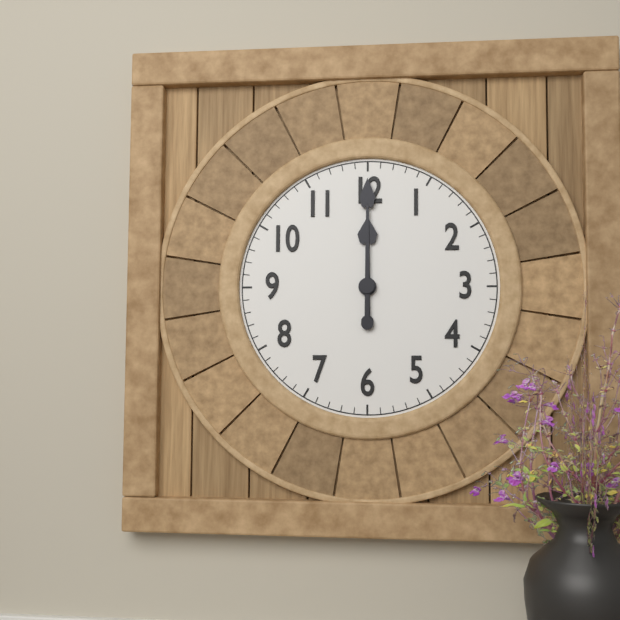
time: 12:00
